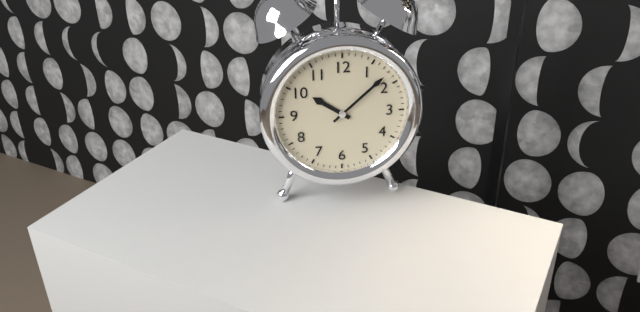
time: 10:08
